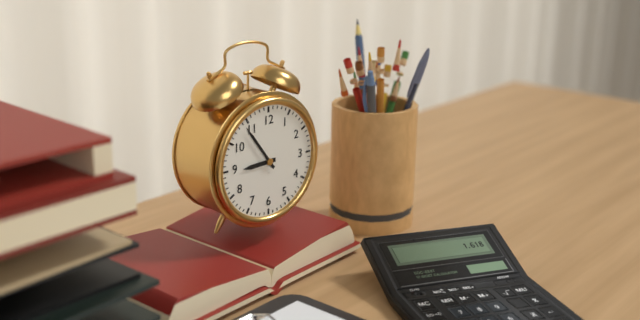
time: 8:54
